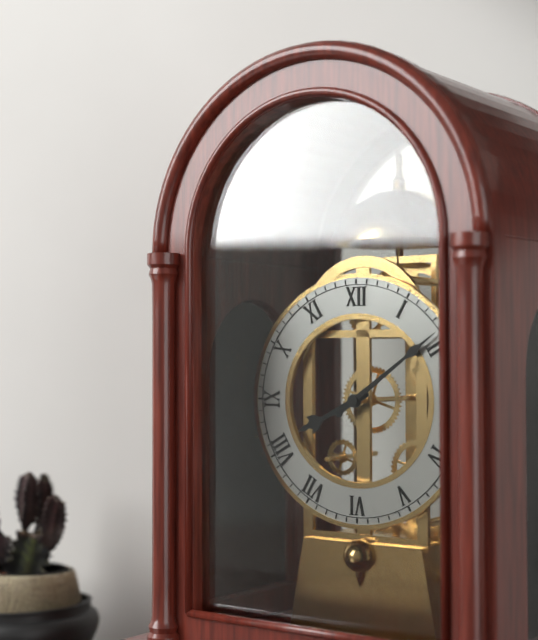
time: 8:09
